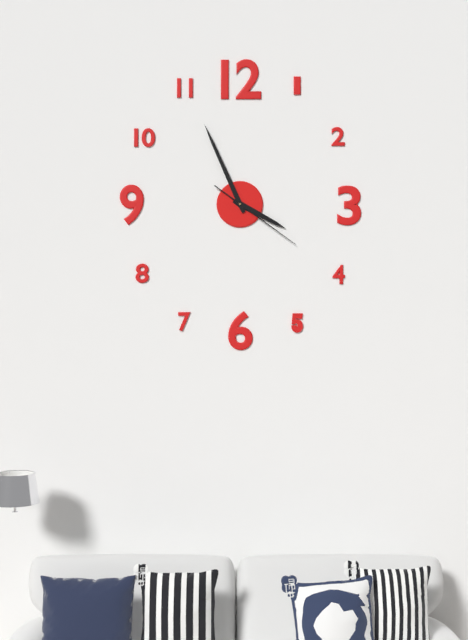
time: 3:56:21
